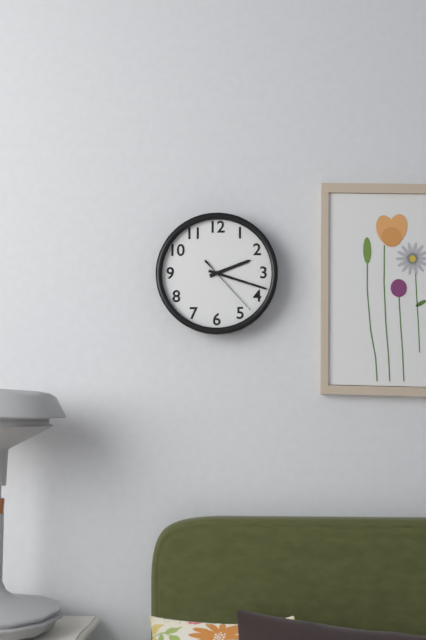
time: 2:18:23
